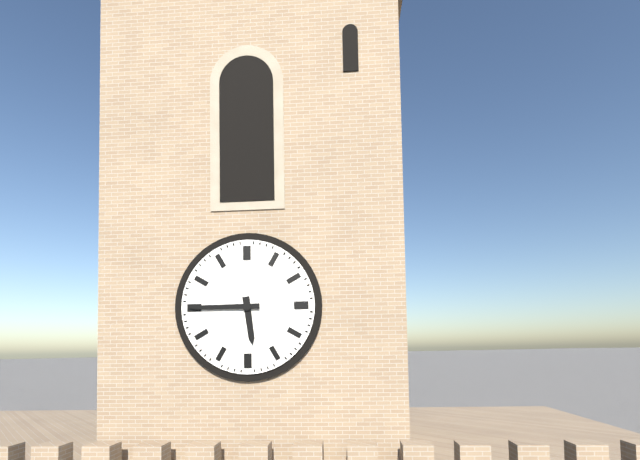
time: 5:45
